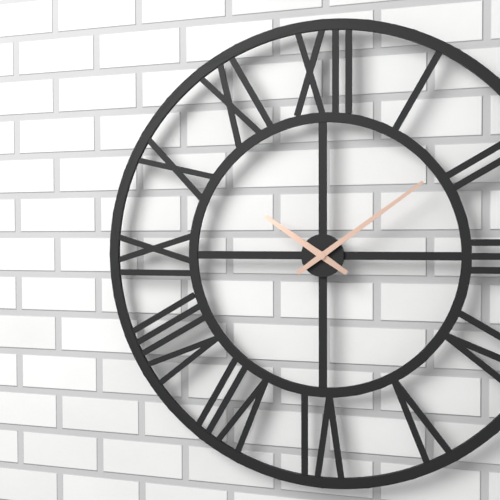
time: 10:09
